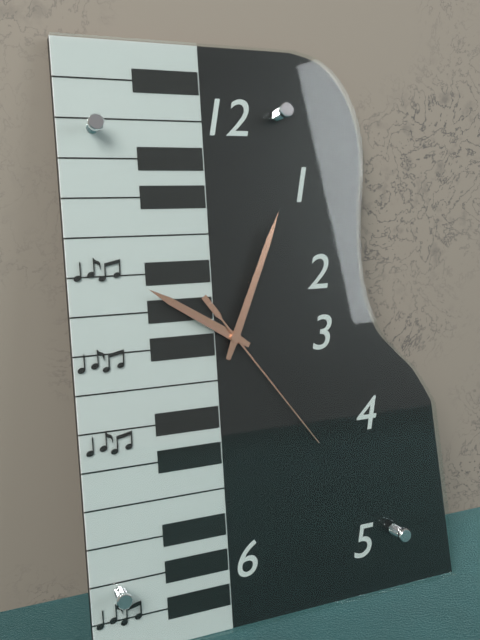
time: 10:04:24
